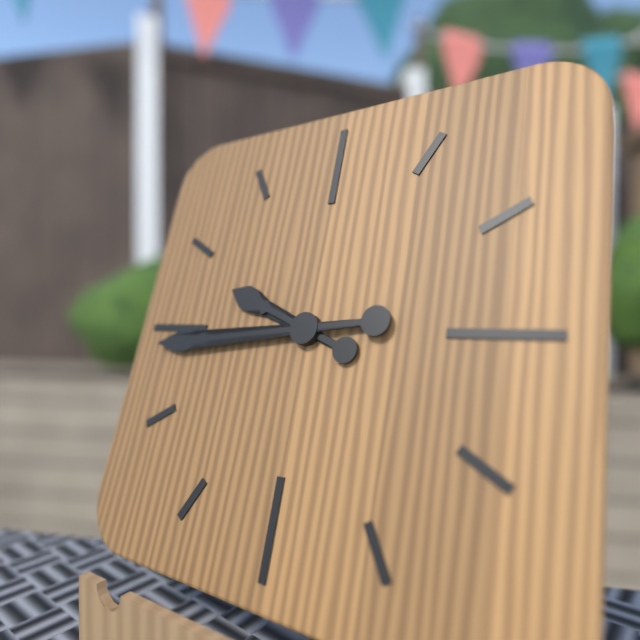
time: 9:44
